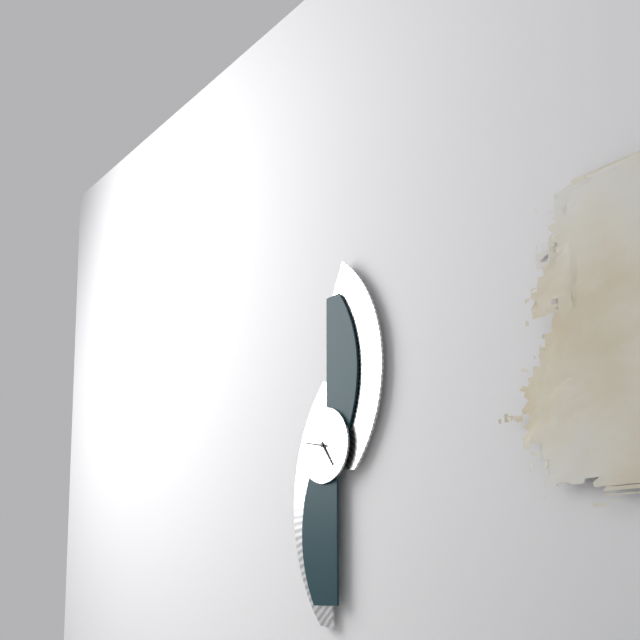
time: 4:47
